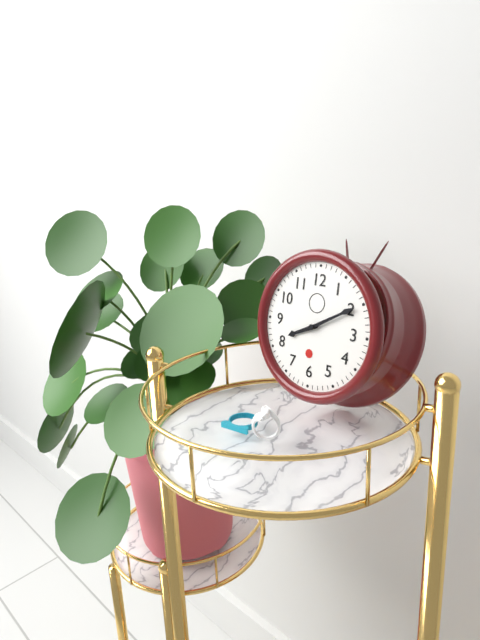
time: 8:10
